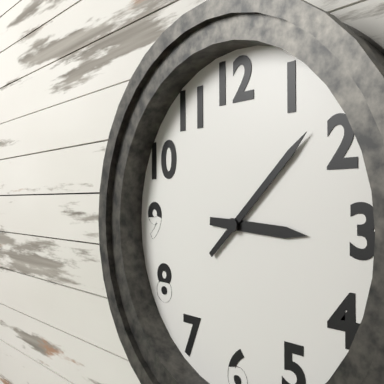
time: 3:08
